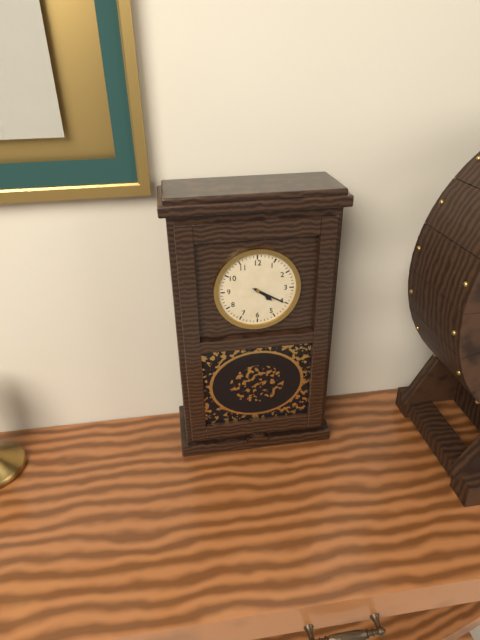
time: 4:20
